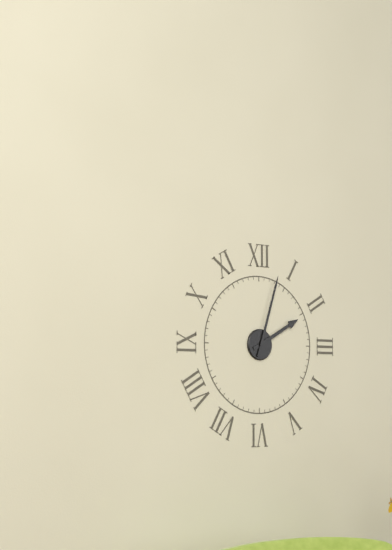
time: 2:03
